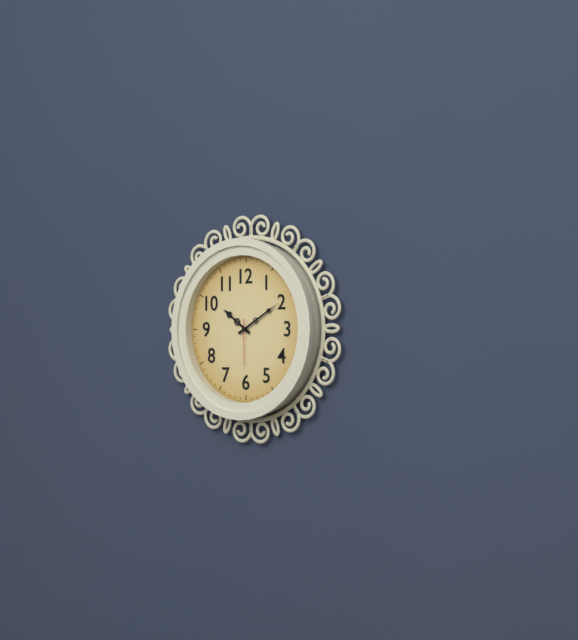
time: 10:10
